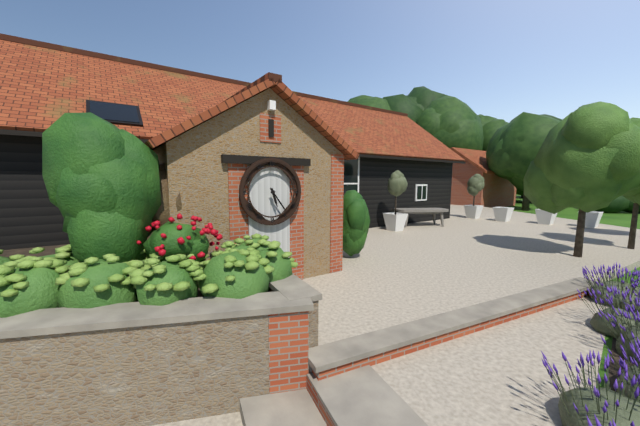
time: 5:24
